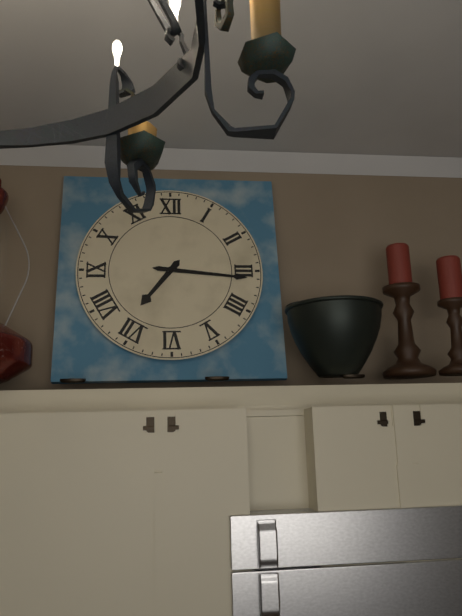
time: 7:16
